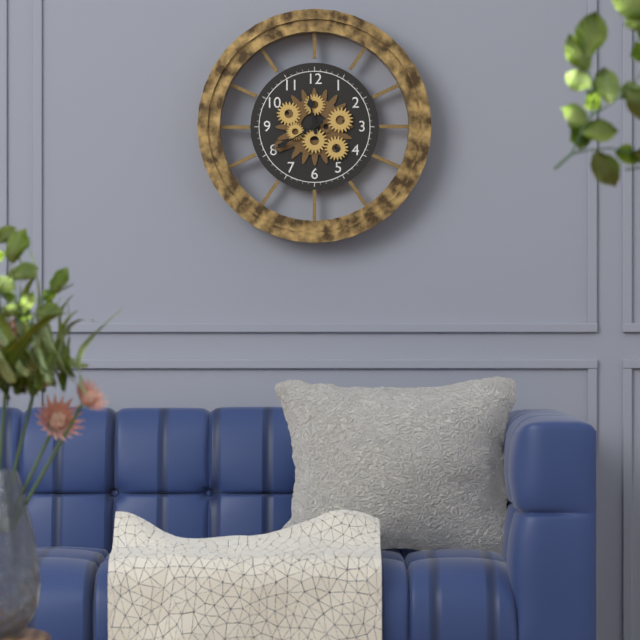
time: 11:40
